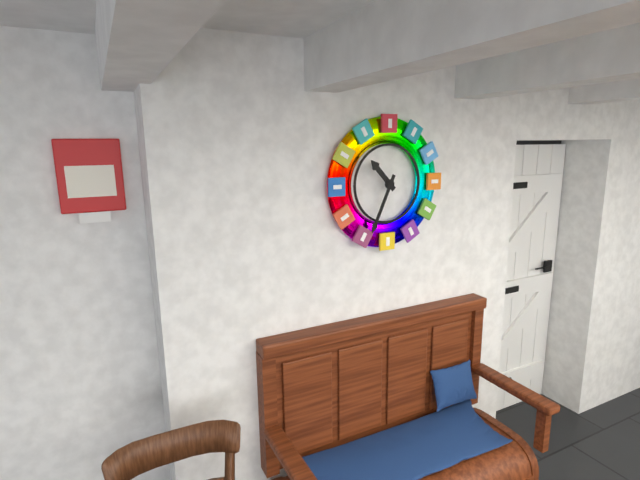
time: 10:34
